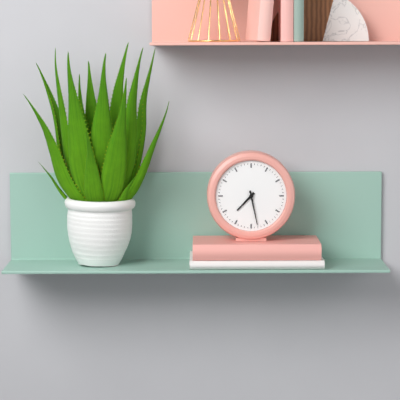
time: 7:28
